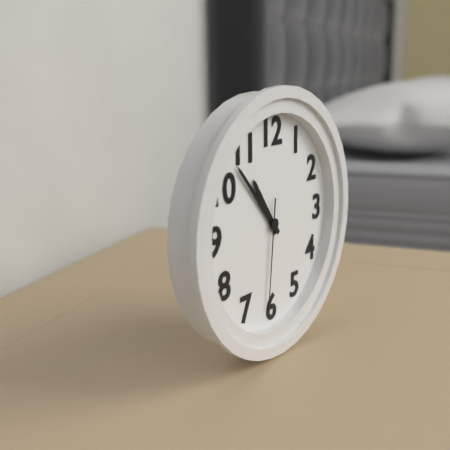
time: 10:53:31
